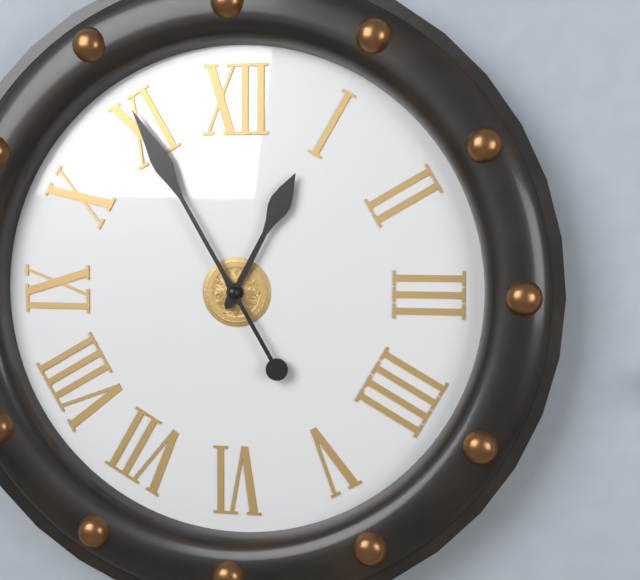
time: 12:55
